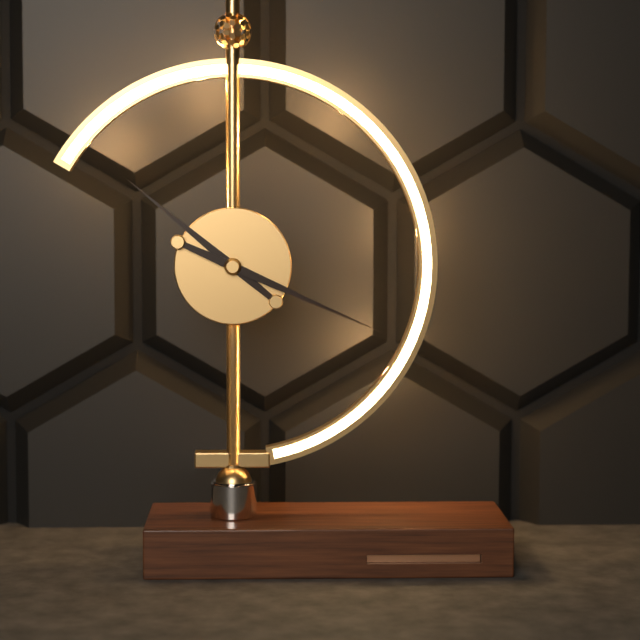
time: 10:19
